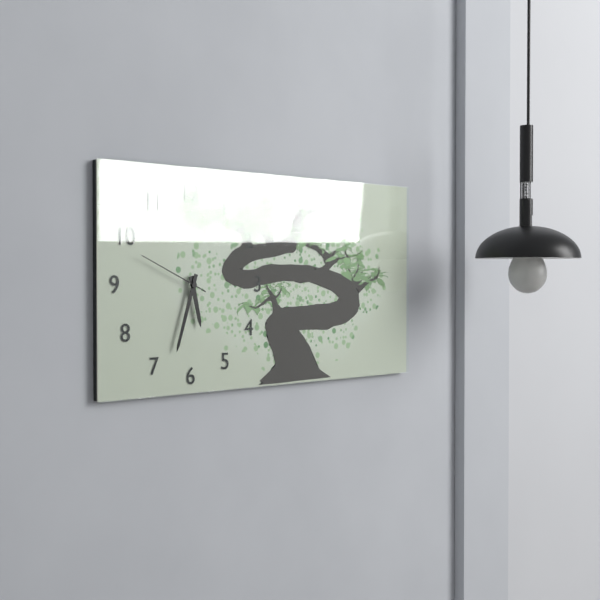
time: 5:33:49
